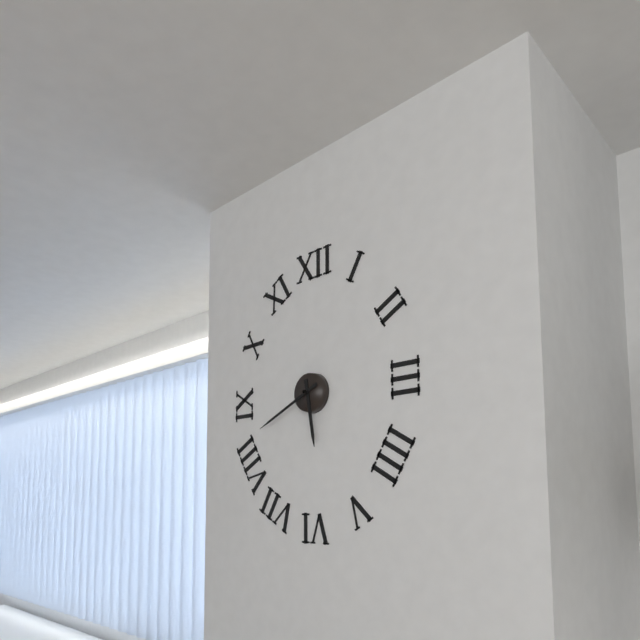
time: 5:41
